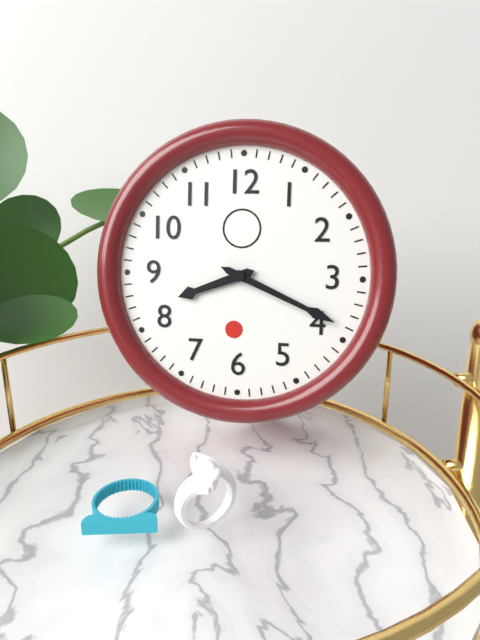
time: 8:19
